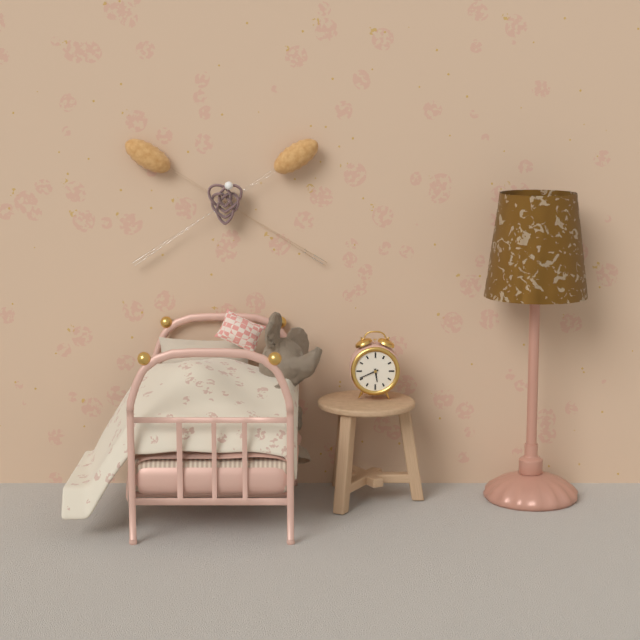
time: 5:41
